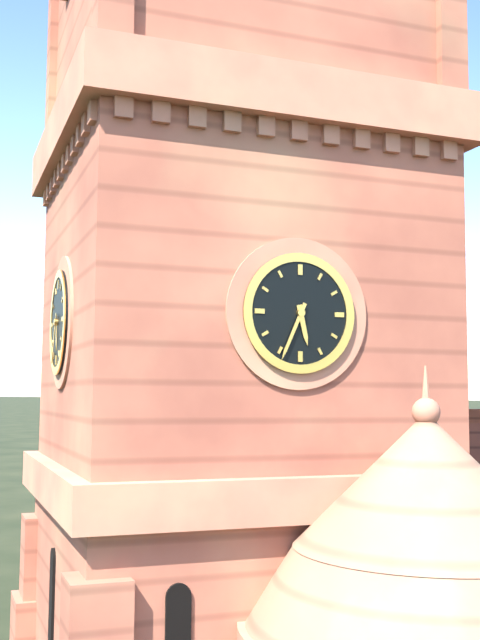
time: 5:34
